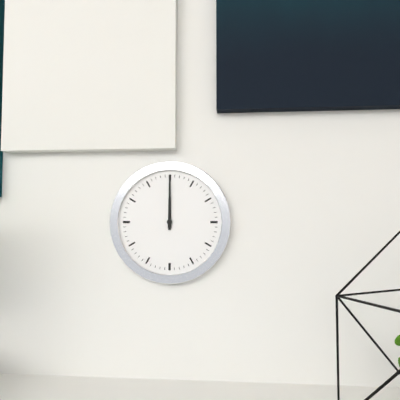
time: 12:00
